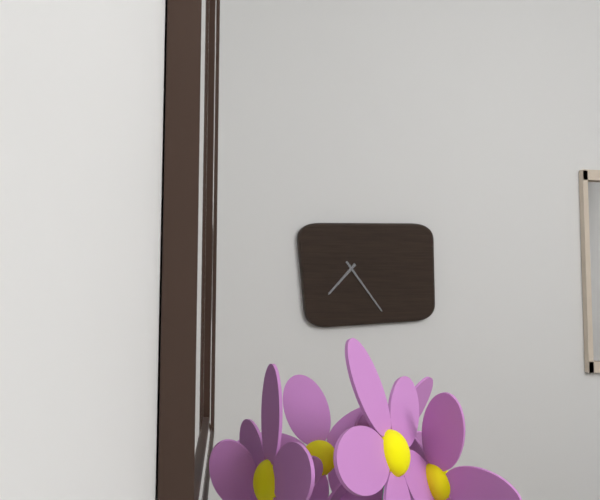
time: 7:24
